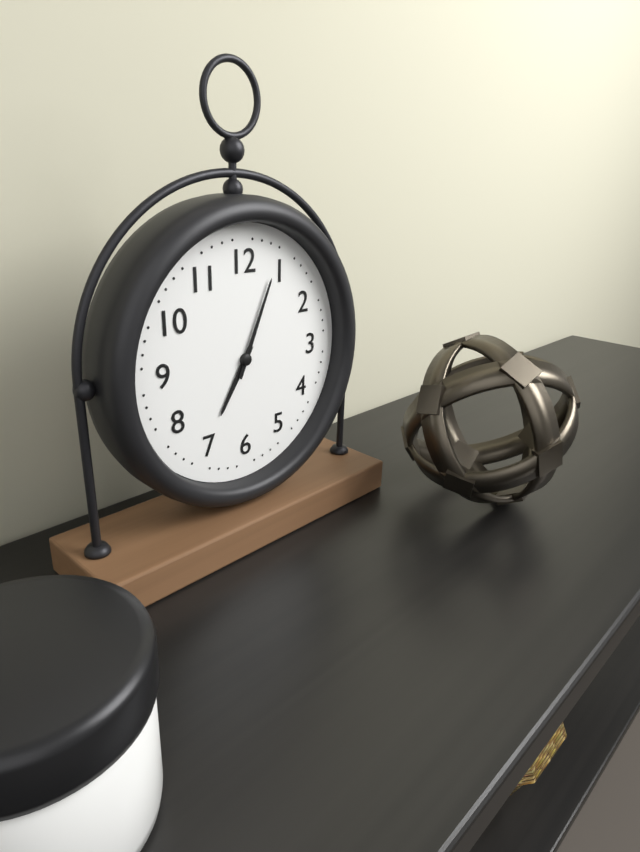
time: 7:04
